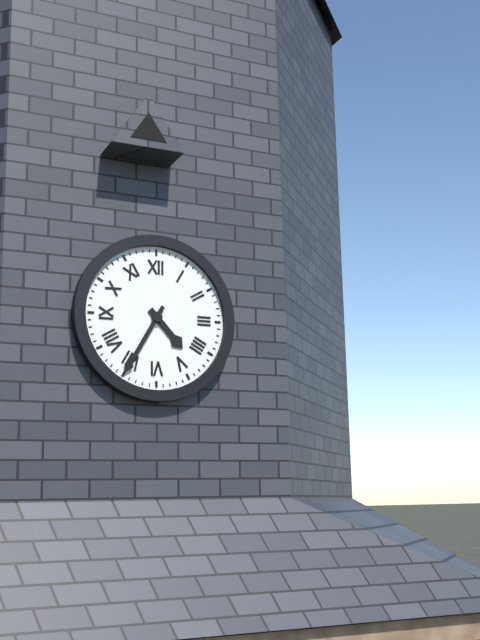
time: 4:35
